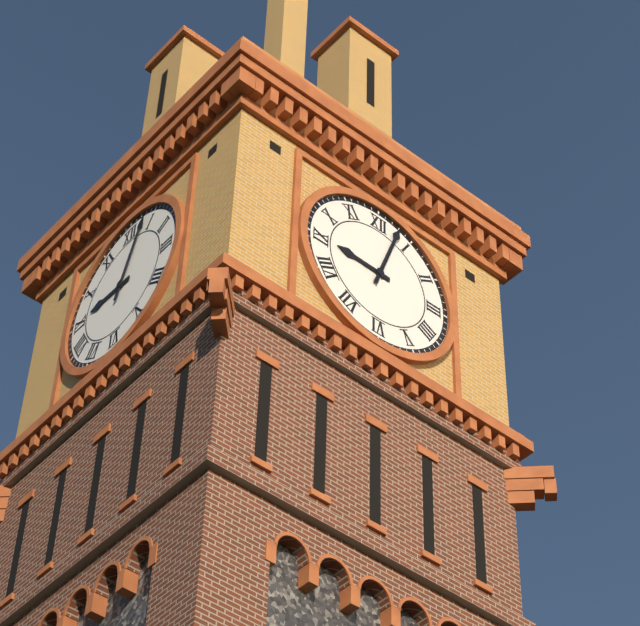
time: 9:03
